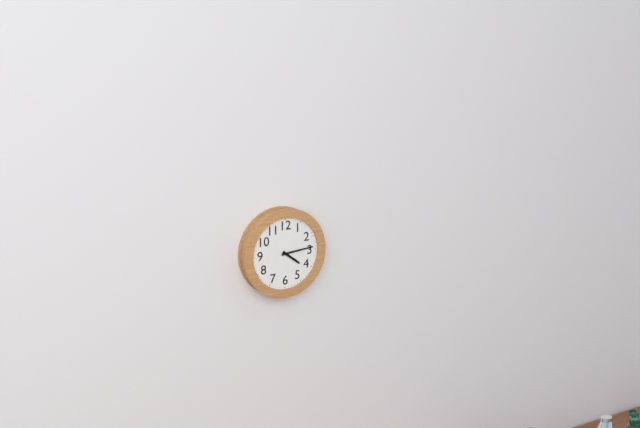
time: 4:14
